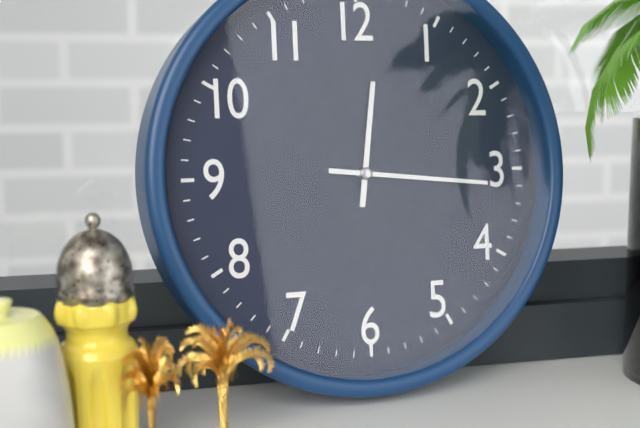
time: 12:16
